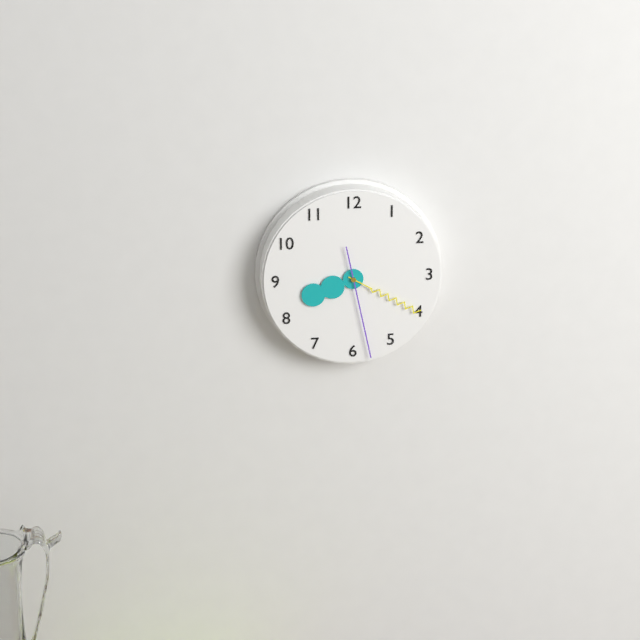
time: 8:20:28
